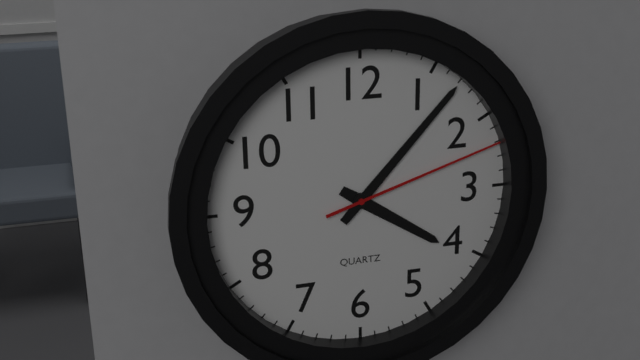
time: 4:07:12
